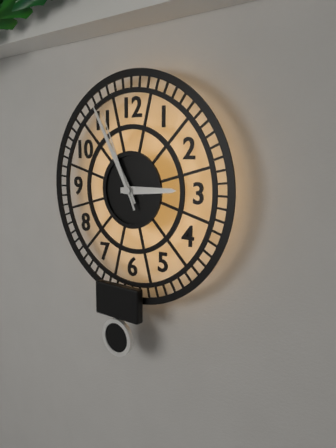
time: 2:55:56
